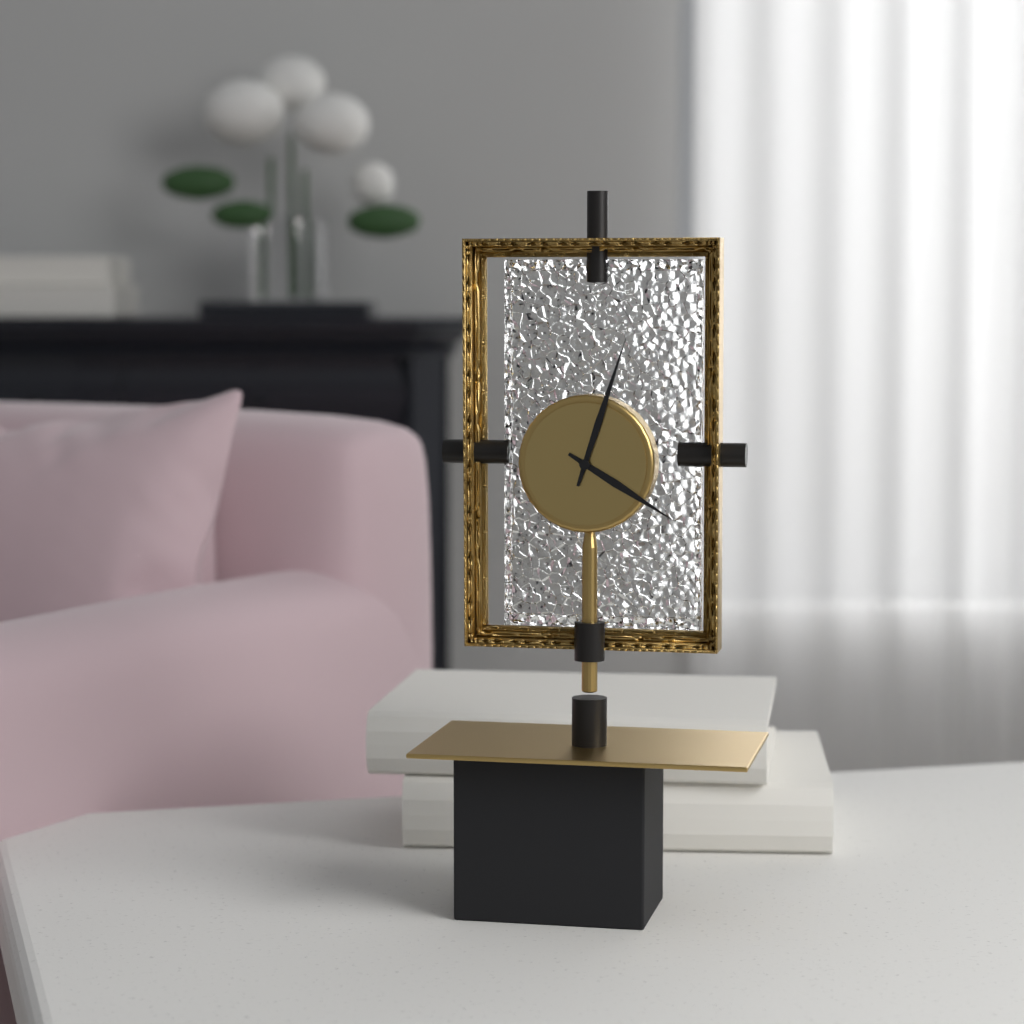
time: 4:03
